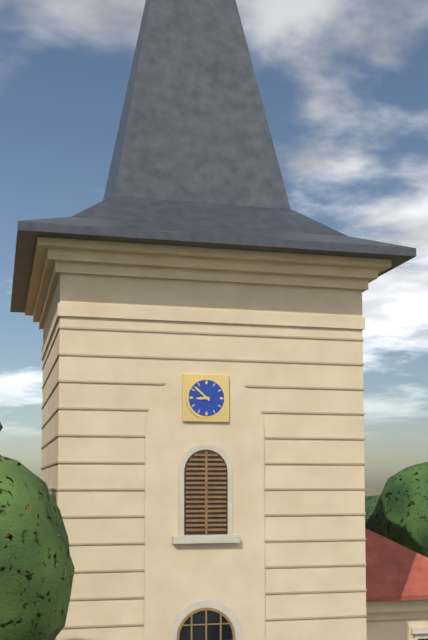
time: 8:52
